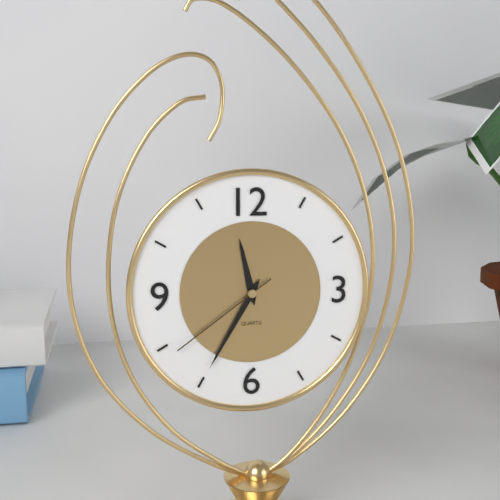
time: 11:35:39
